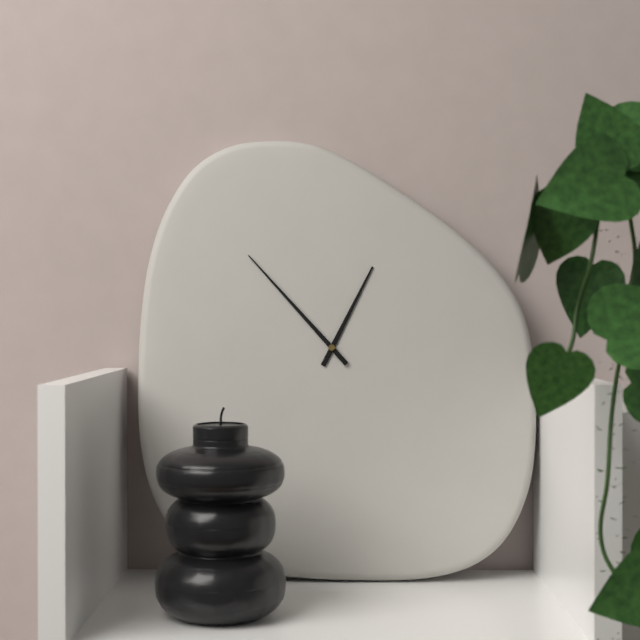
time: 12:53
